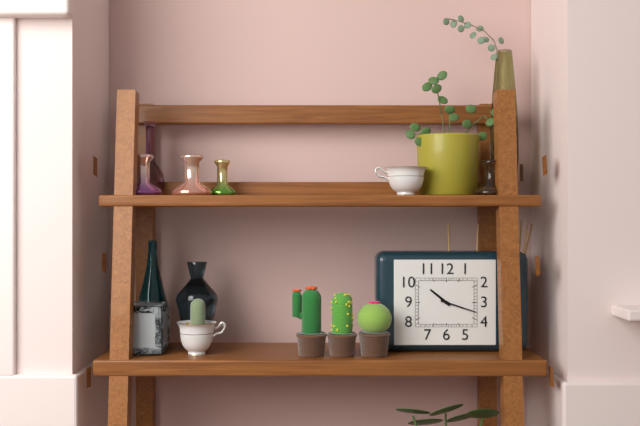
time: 10:18
